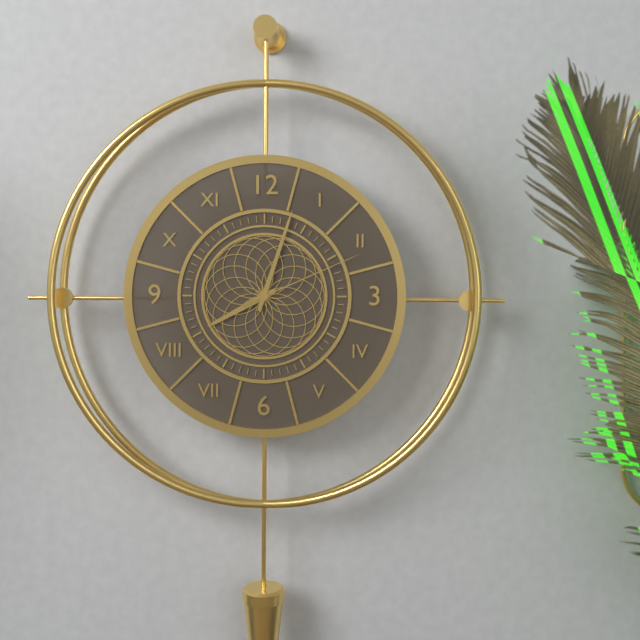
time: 8:03:11
